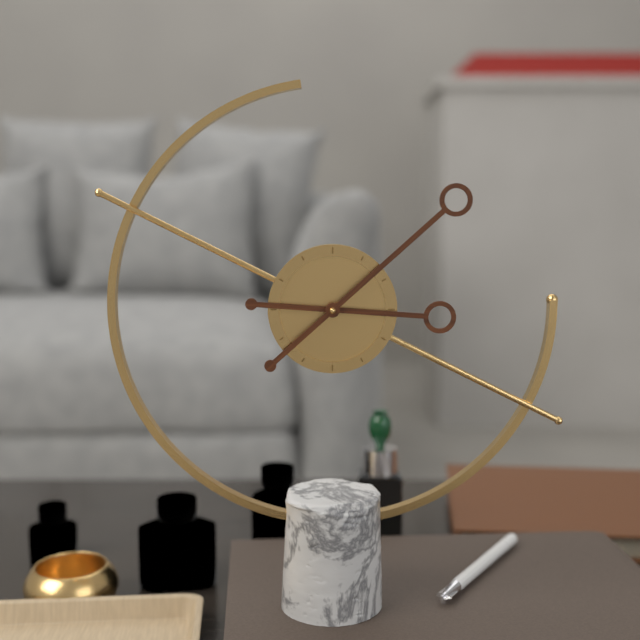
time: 3:08
